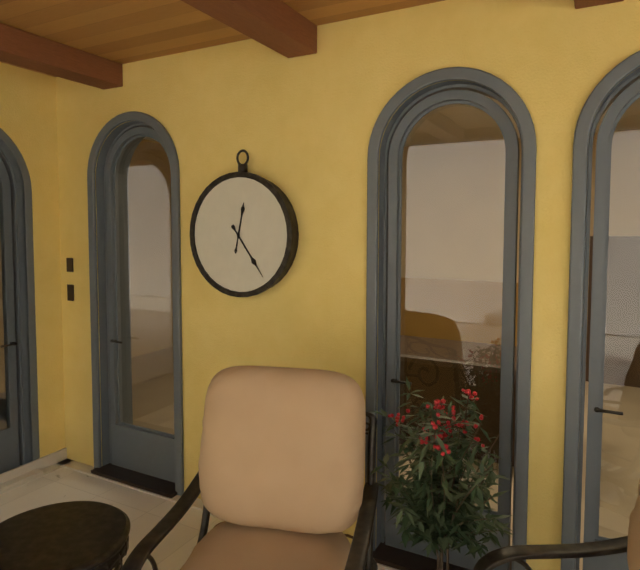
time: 12:24
